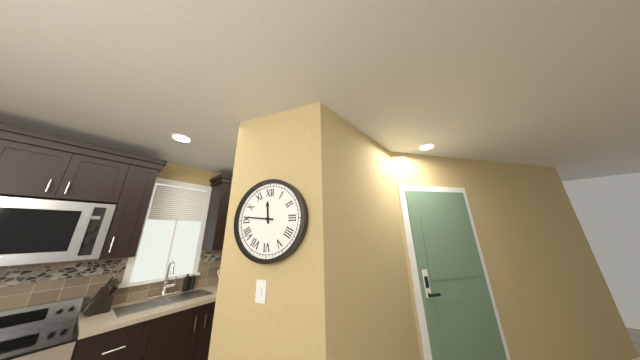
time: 11:46
